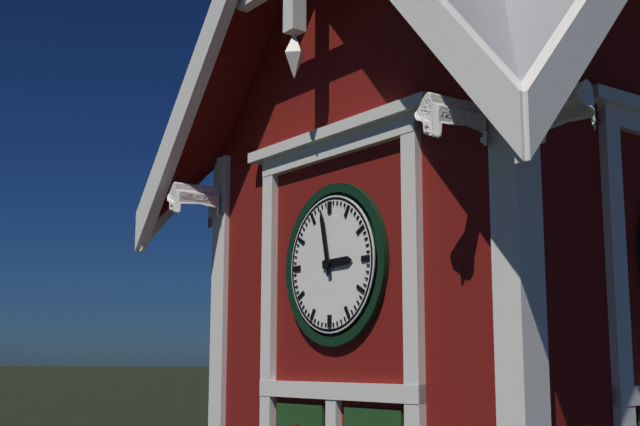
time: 2:58
